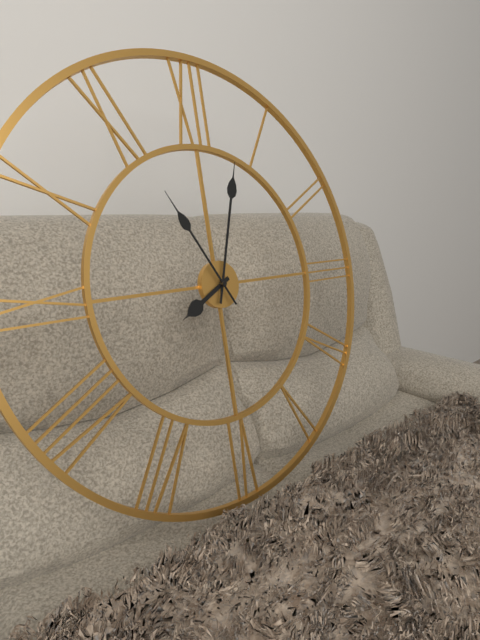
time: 8:03:55
